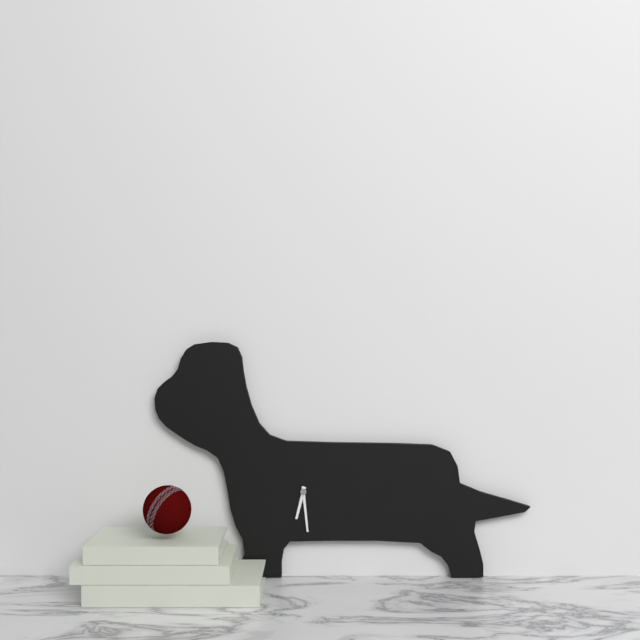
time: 6:29
